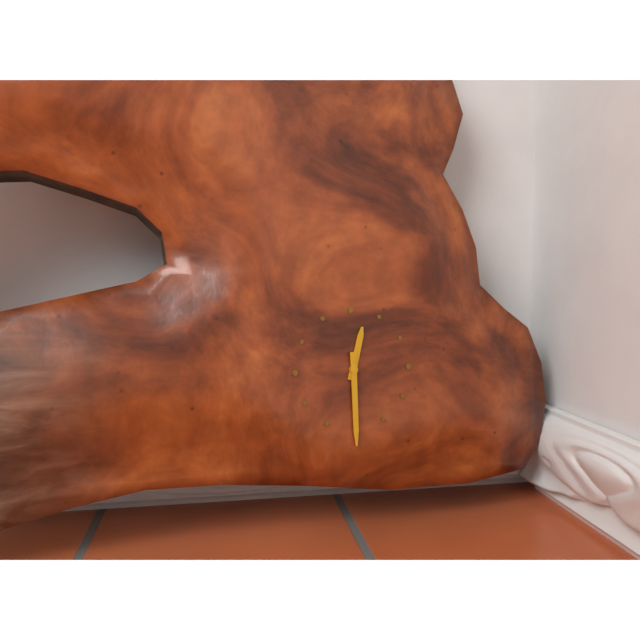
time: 12:30
